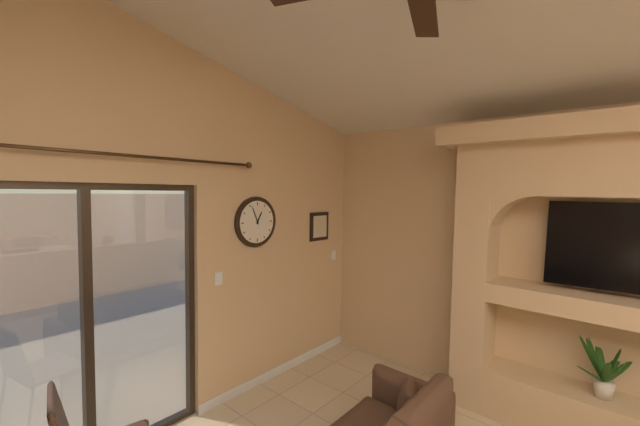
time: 12:56
